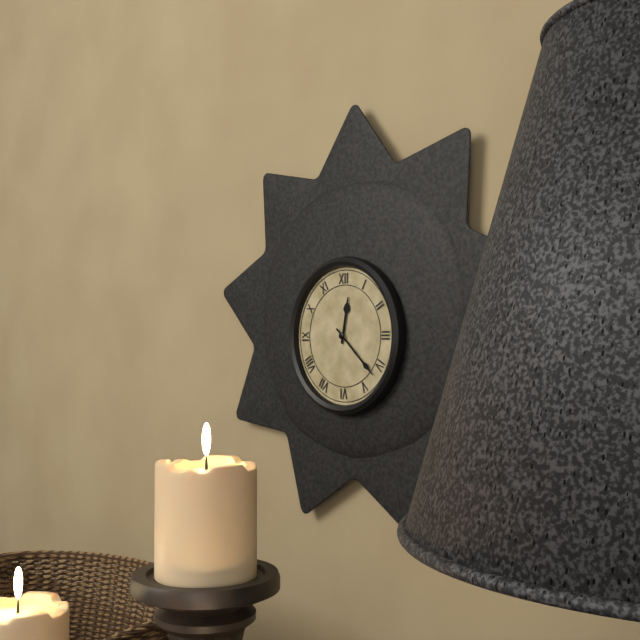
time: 12:22
